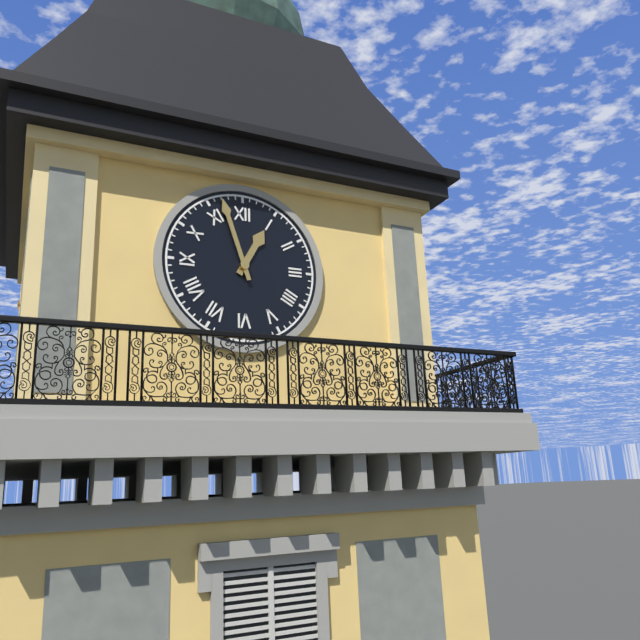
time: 12:57
